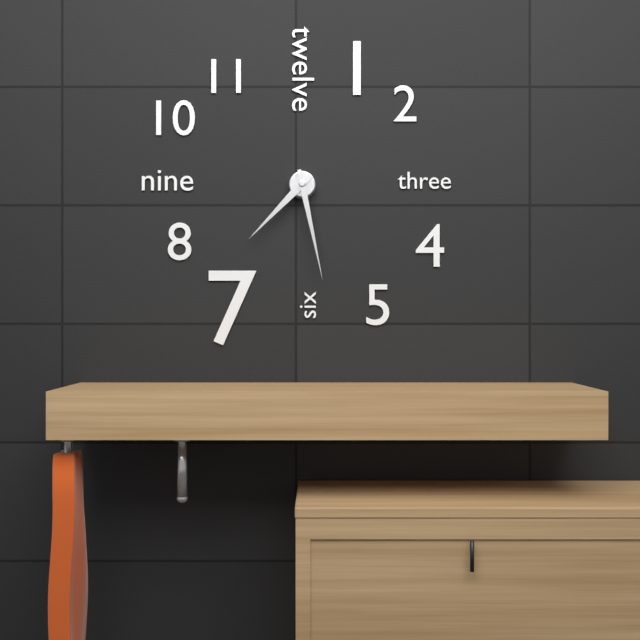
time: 7:28
